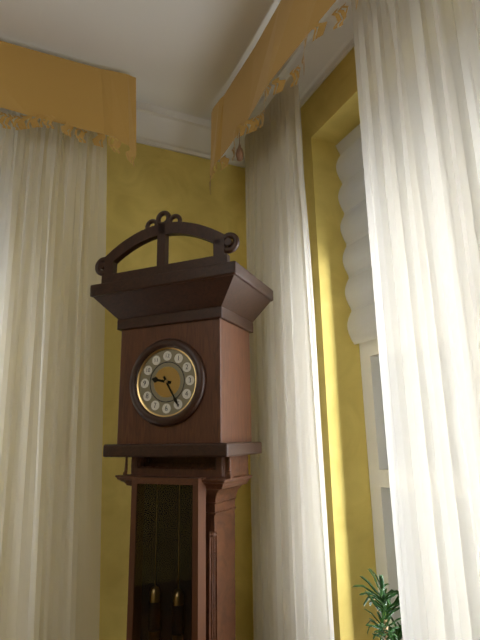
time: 9:25
